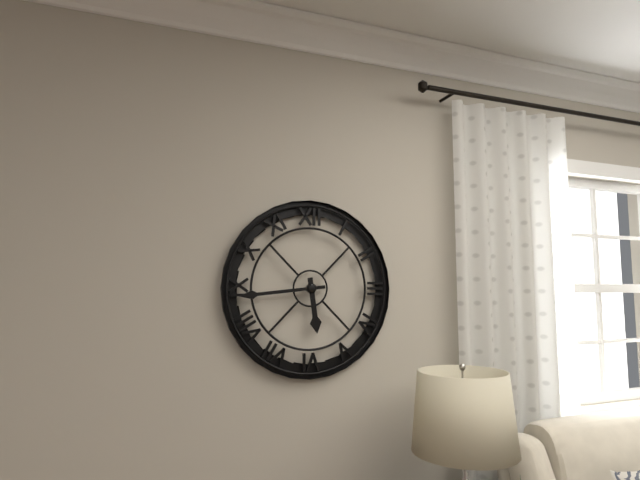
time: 5:44
